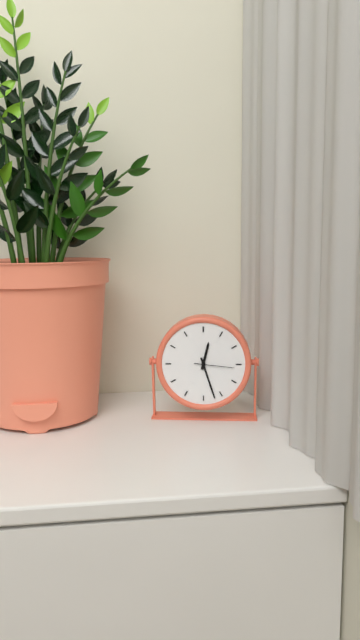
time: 12:27
